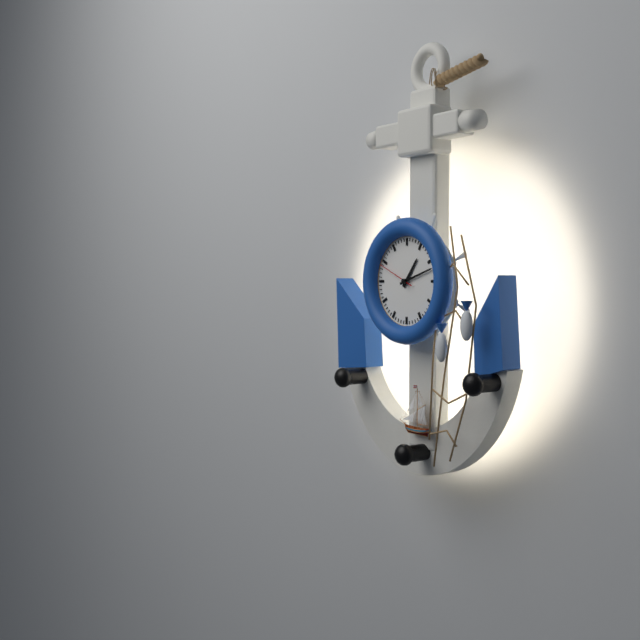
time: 1:12
